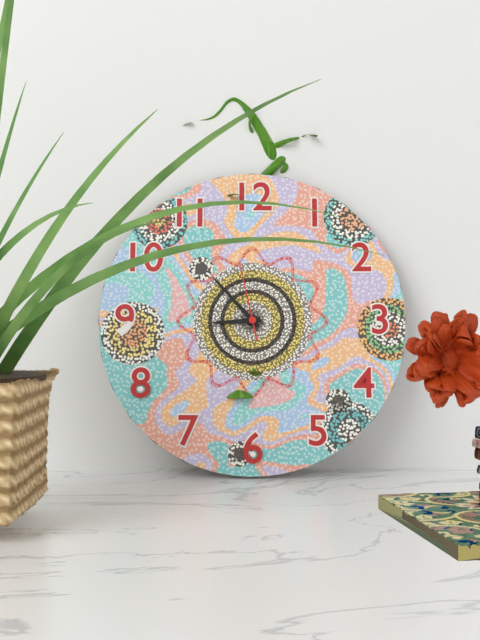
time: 8:53:58
